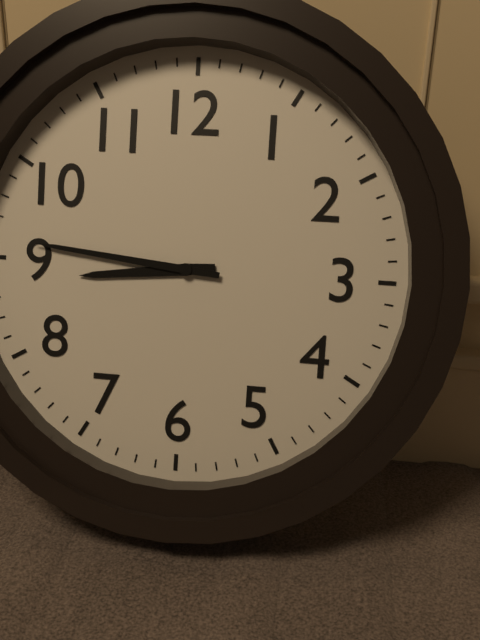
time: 8:46
